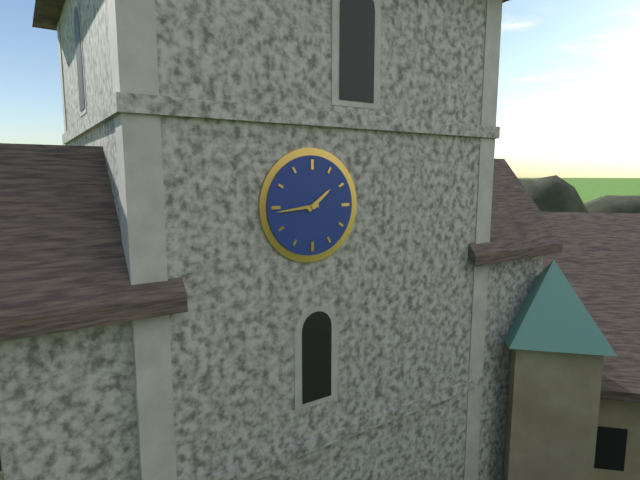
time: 1:44
